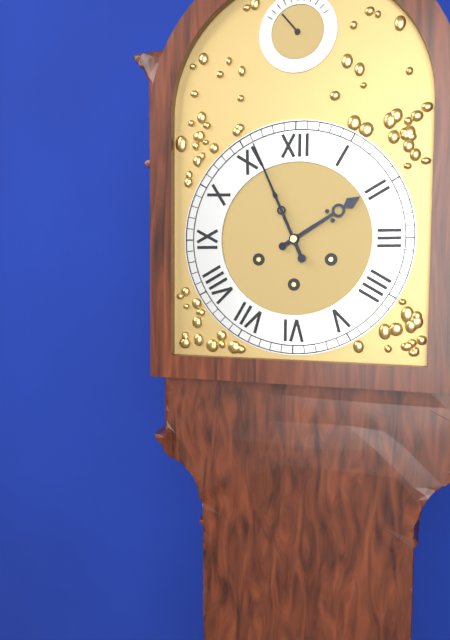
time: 1:56
